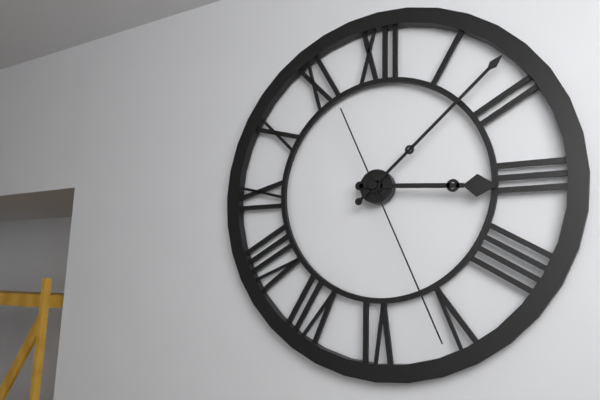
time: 3:08:26
